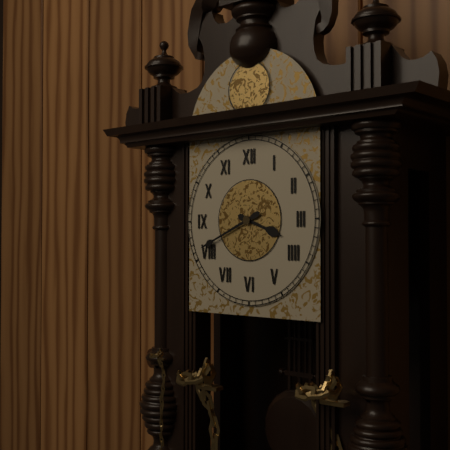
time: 3:41
